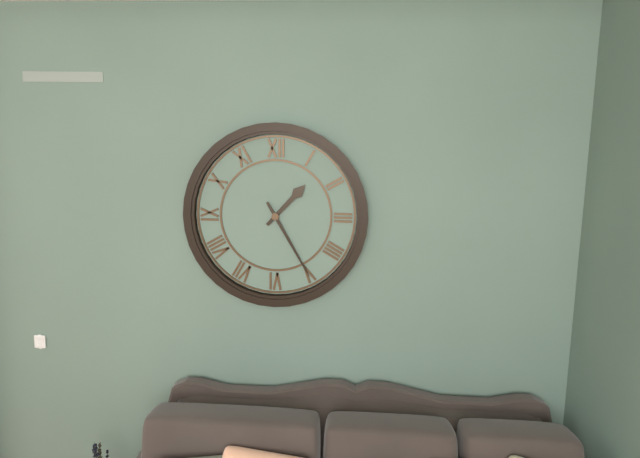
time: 1:25
